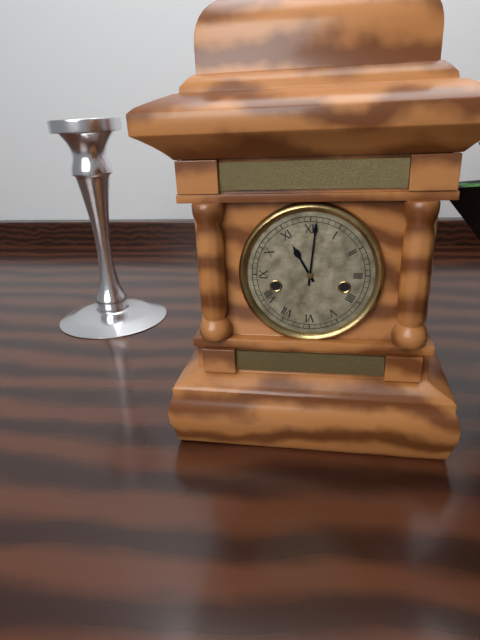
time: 11:01
